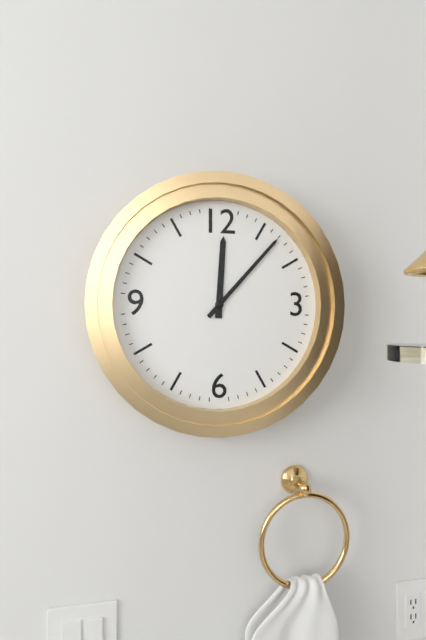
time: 12:07
